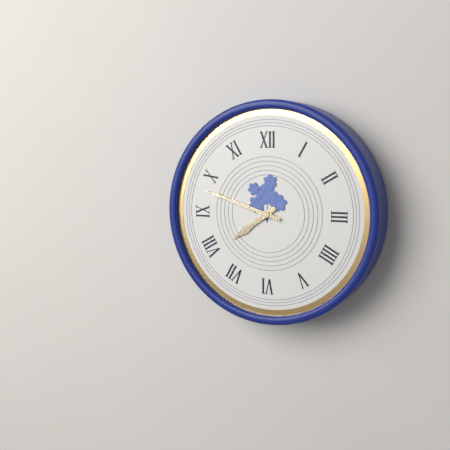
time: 7:48
